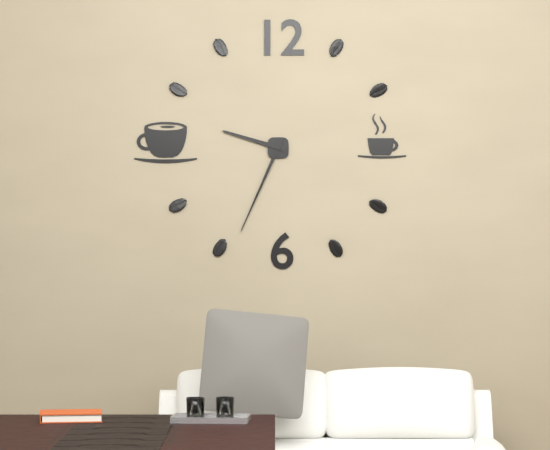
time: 9:34
